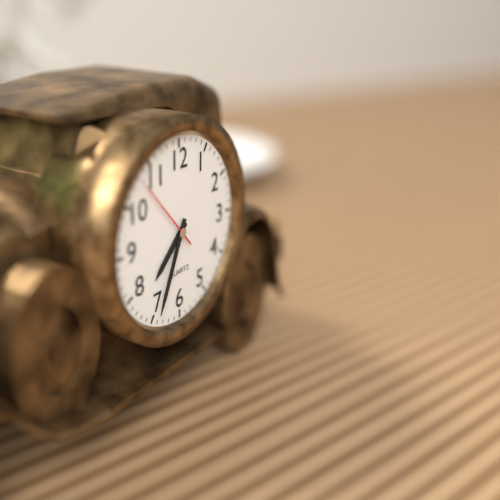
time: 7:34:53
